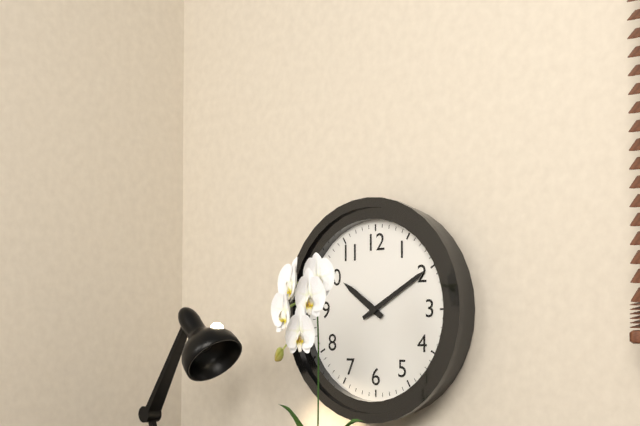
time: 10:10
